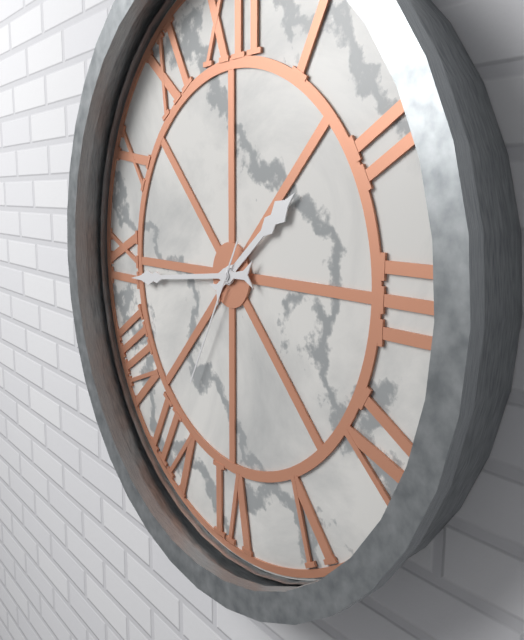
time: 1:44:35
